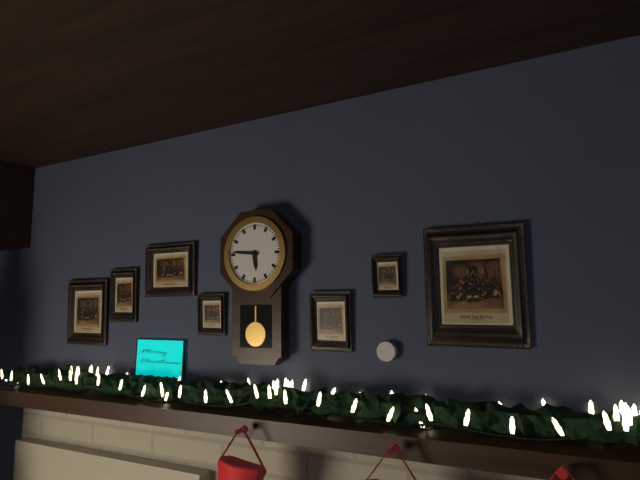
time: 5:46
